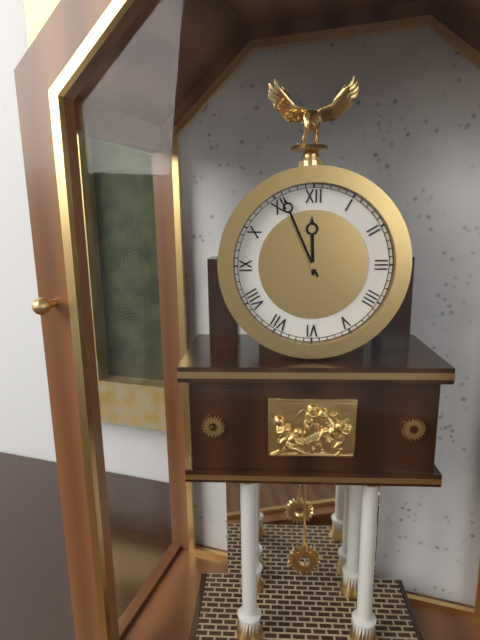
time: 11:56
